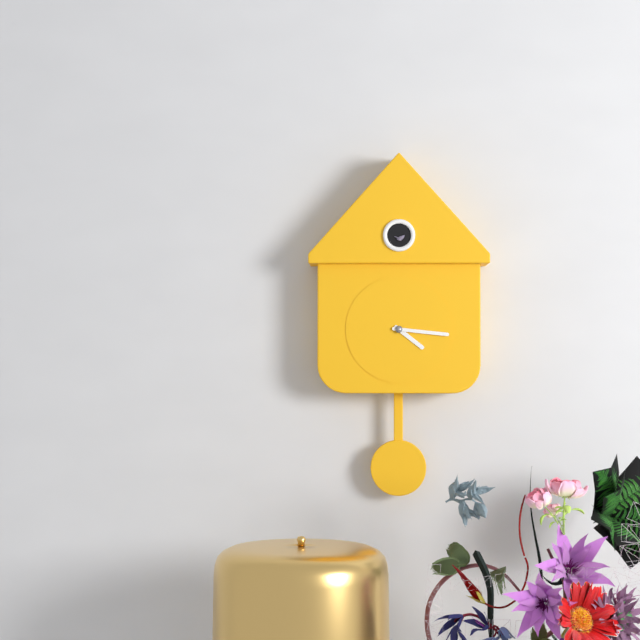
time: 4:16
